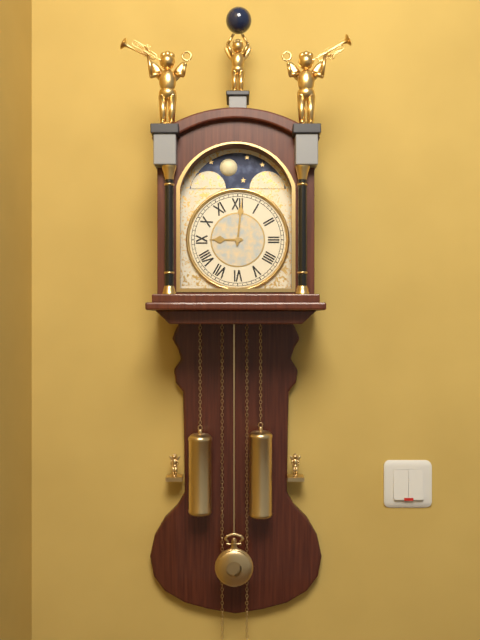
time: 9:01
